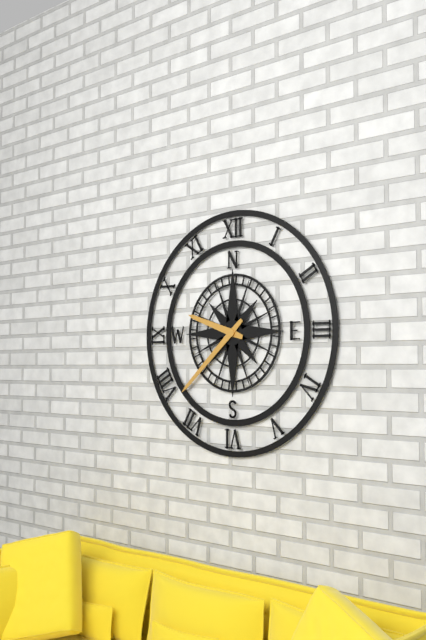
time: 9:38
